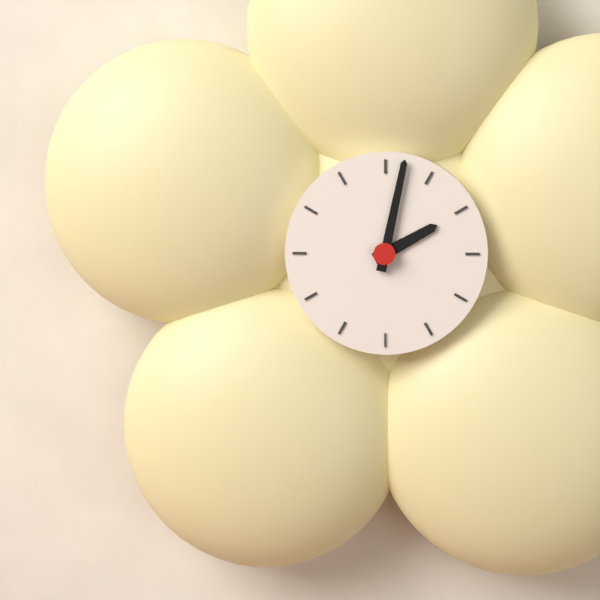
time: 2:02
